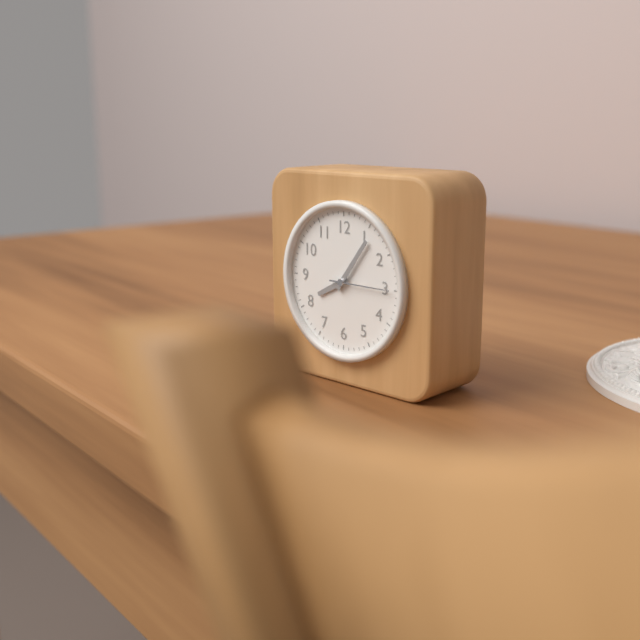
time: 8:06:15
